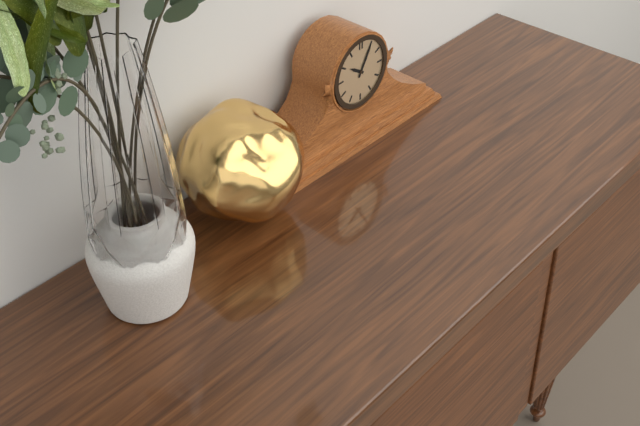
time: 10:05
